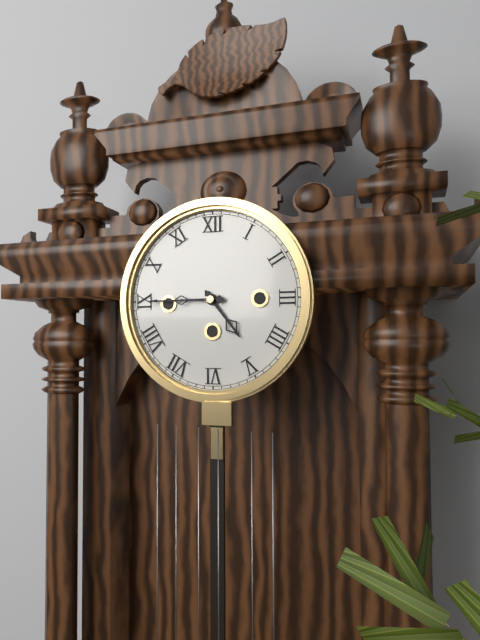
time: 4:45
